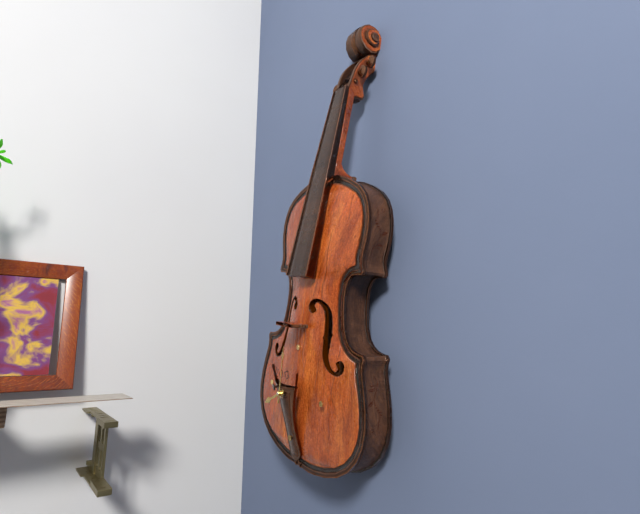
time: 8:00
